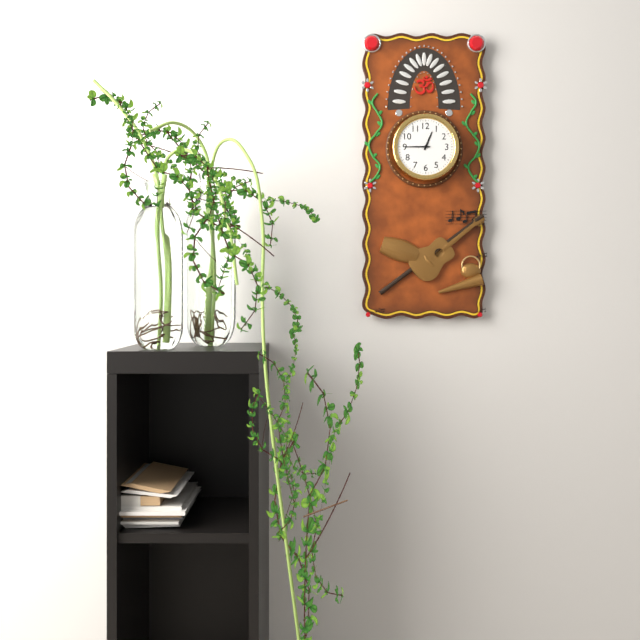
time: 12:45
